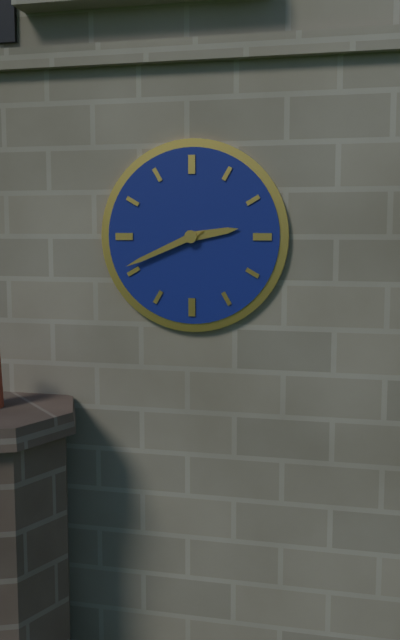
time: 2:41
